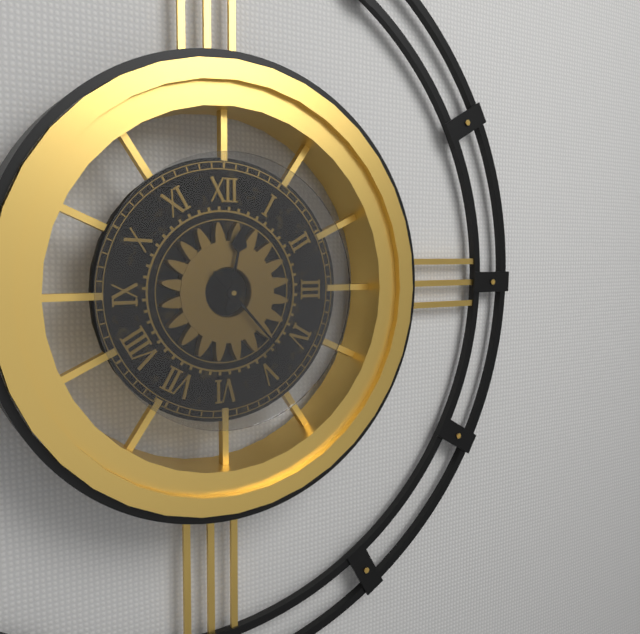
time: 12:23
